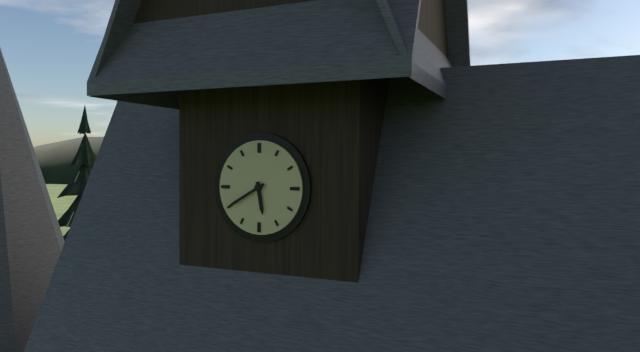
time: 5:40
